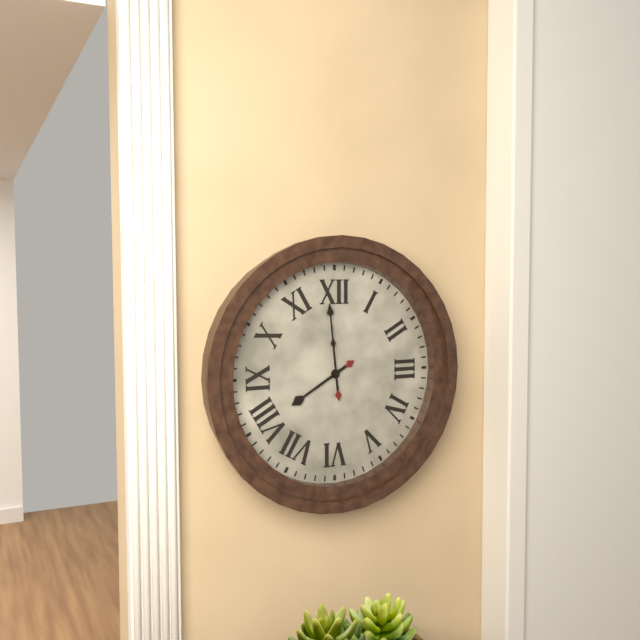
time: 7:59
